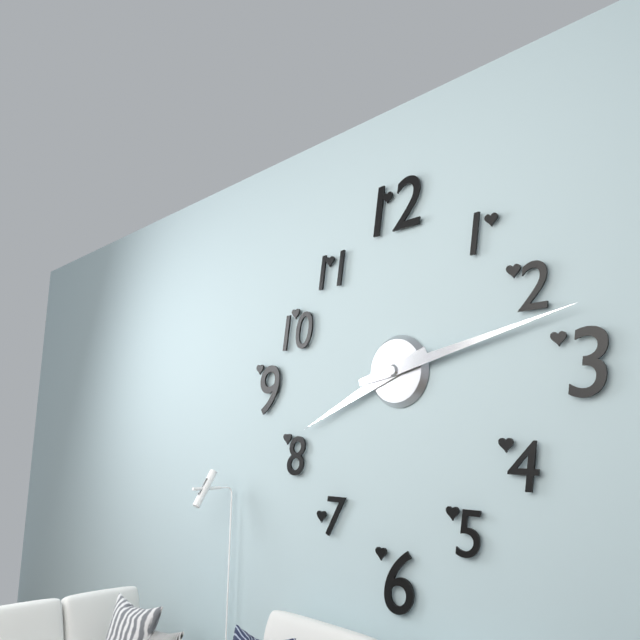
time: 8:13
